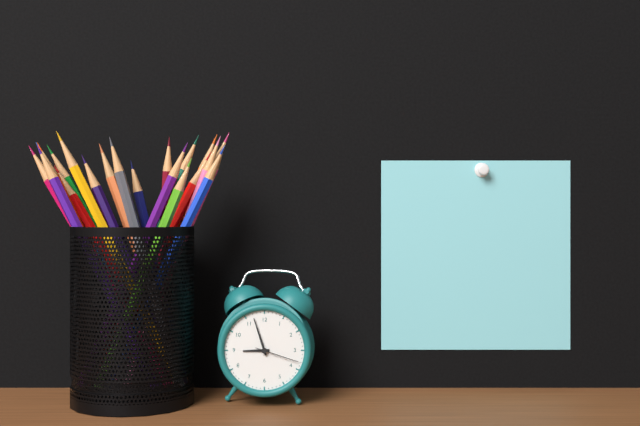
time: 8:57
